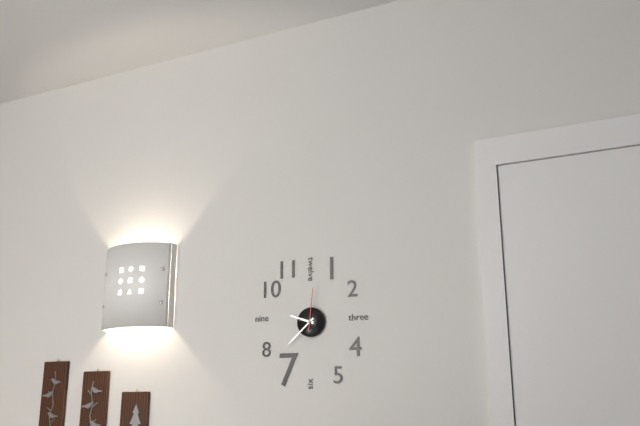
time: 9:38
